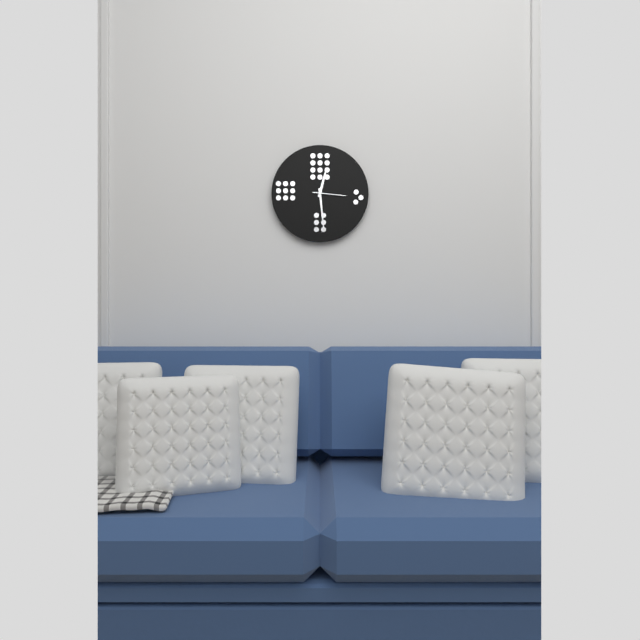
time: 12:29
